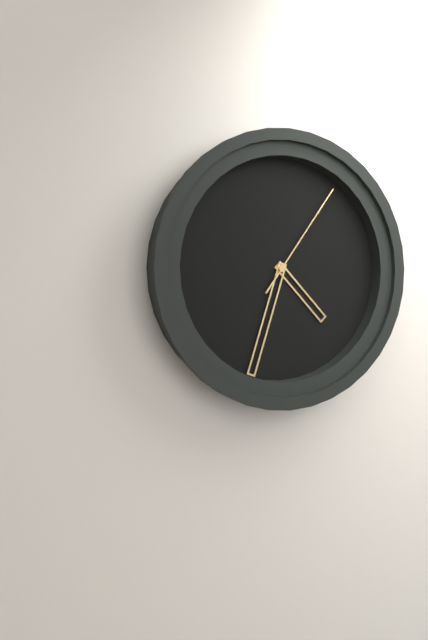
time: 4:33:06
